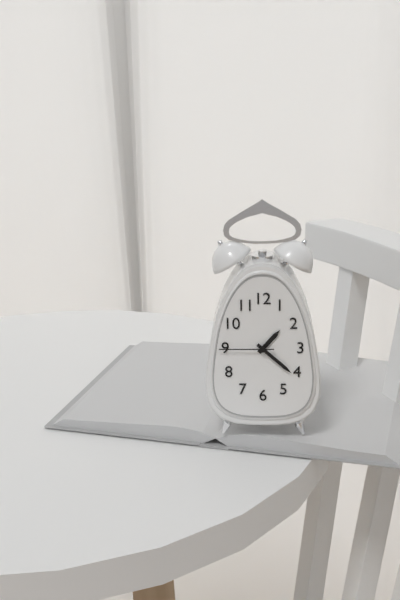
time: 1:22:45
